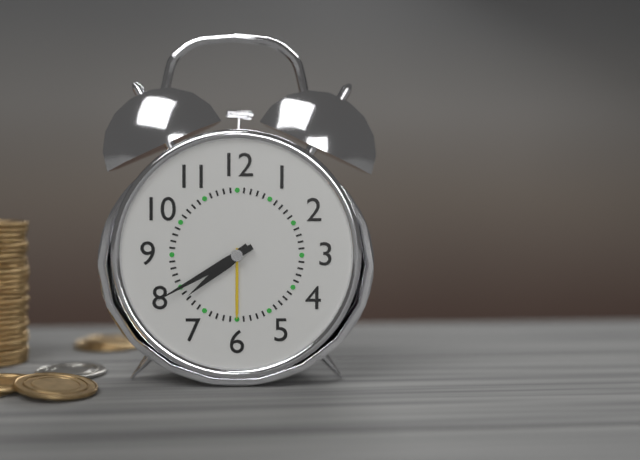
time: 7:40
